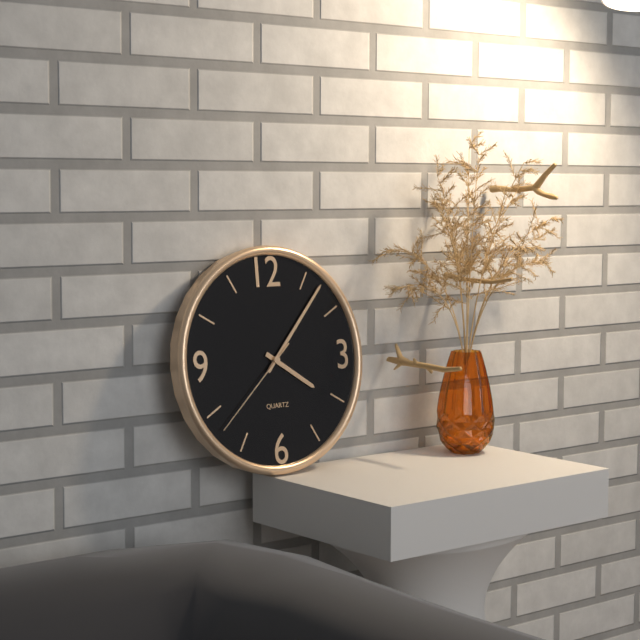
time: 4:07:38
